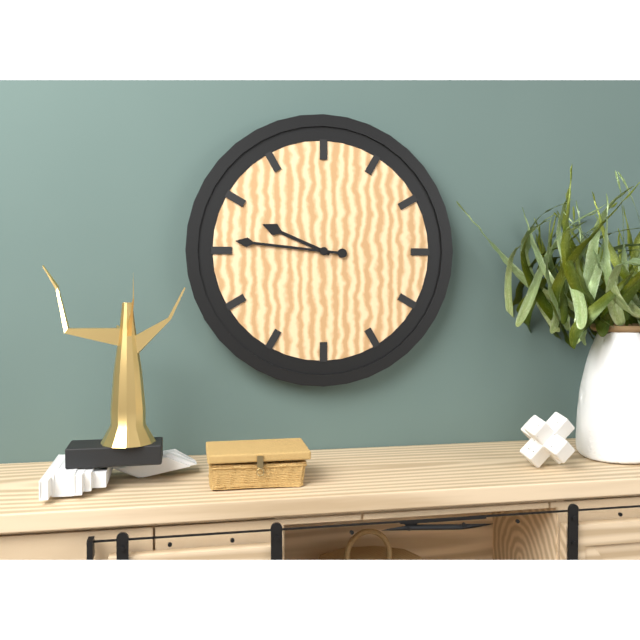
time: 9:46
